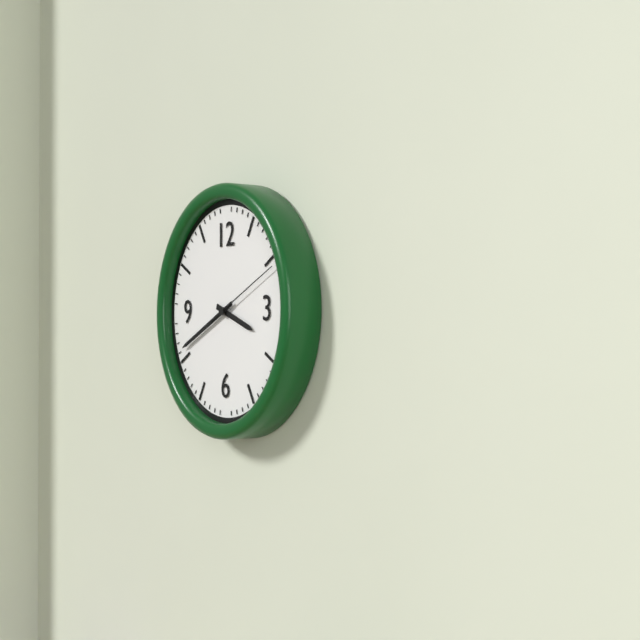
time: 3:41:11
